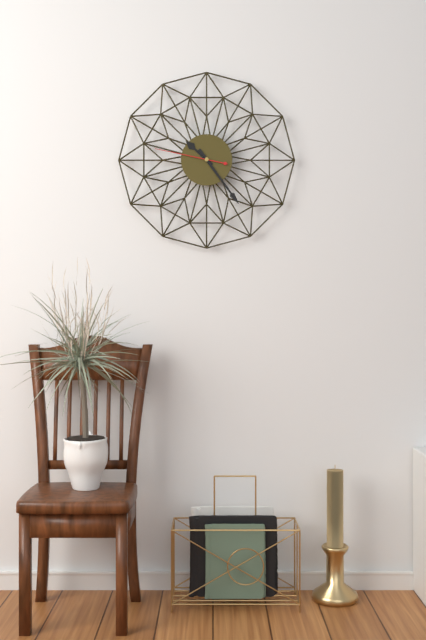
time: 10:24:47
